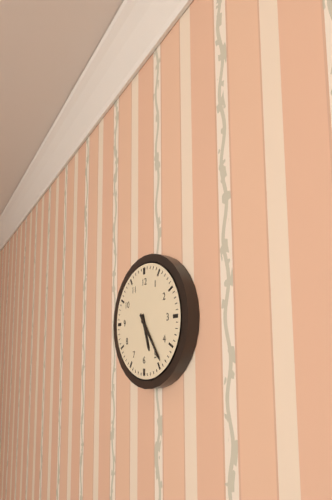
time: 5:24
